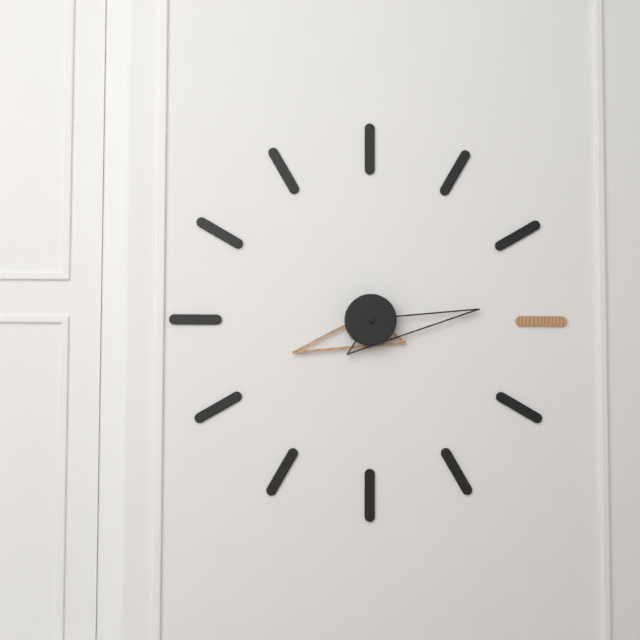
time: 8:14
